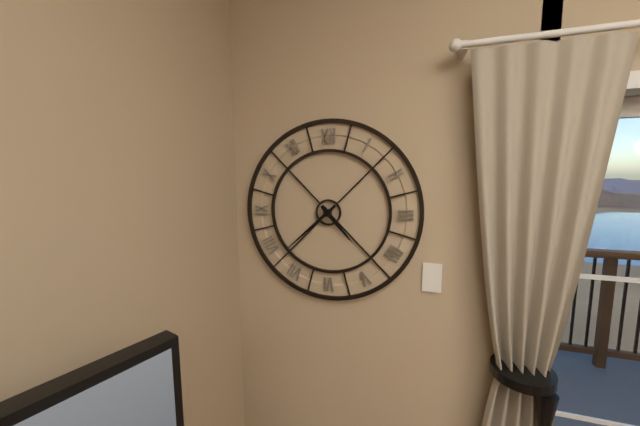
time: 4:38
